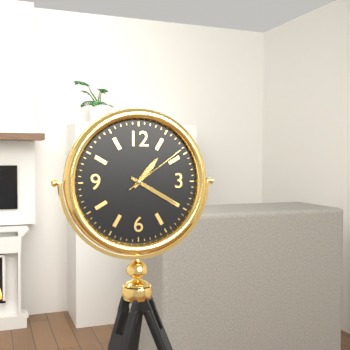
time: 1:20:09
